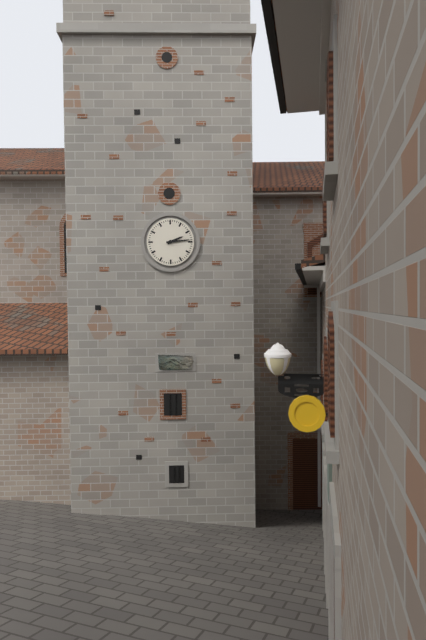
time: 2:14
